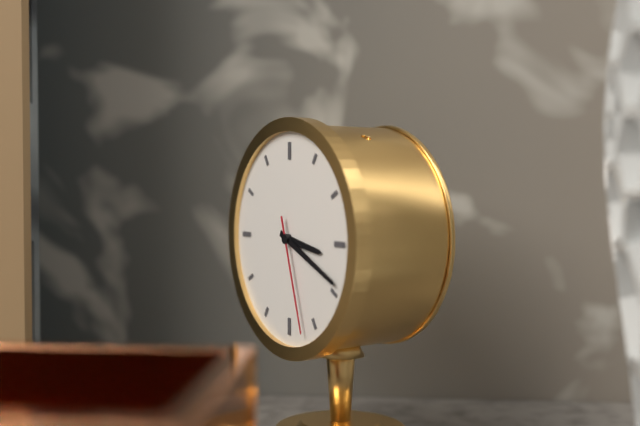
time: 3:19:27
